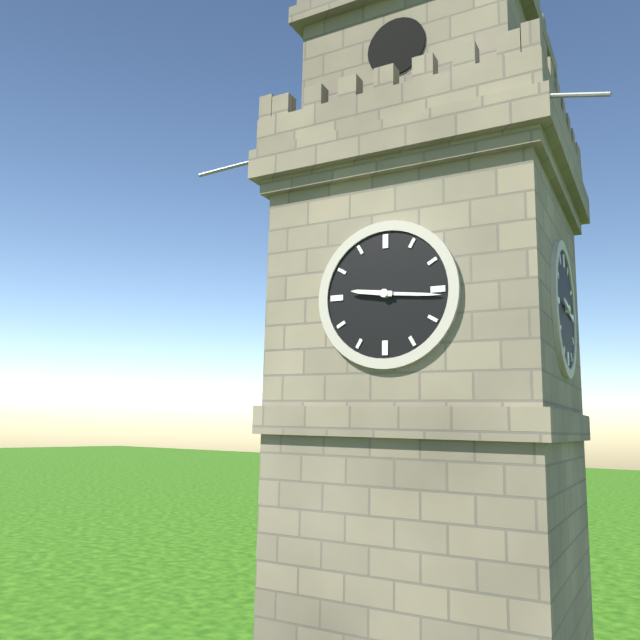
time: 9:16
